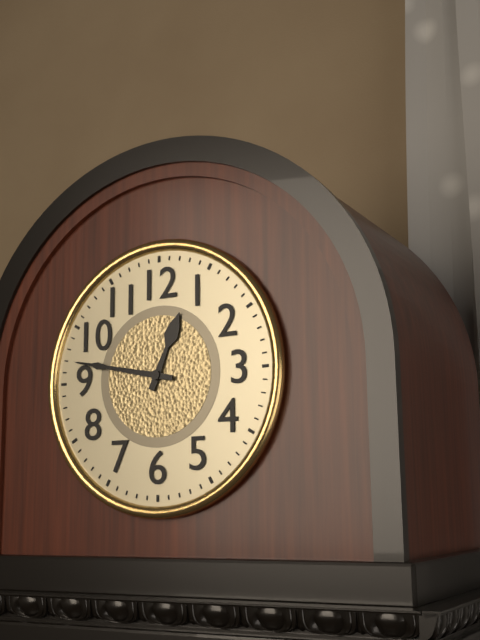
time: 12:47
